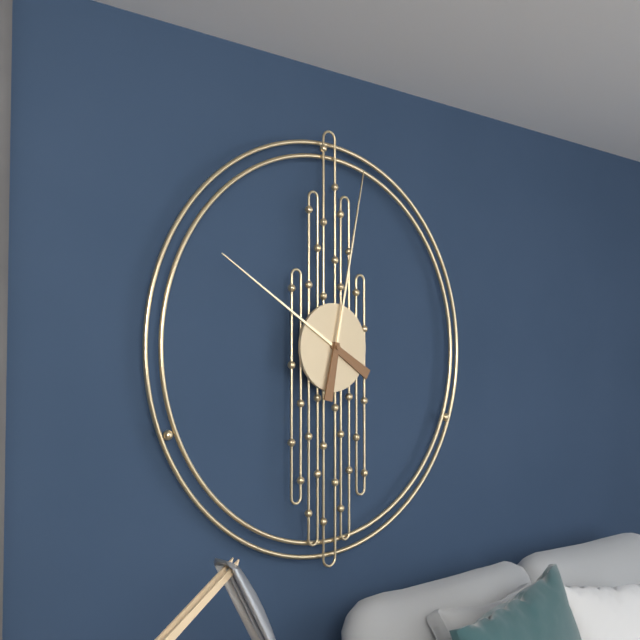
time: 10:02
